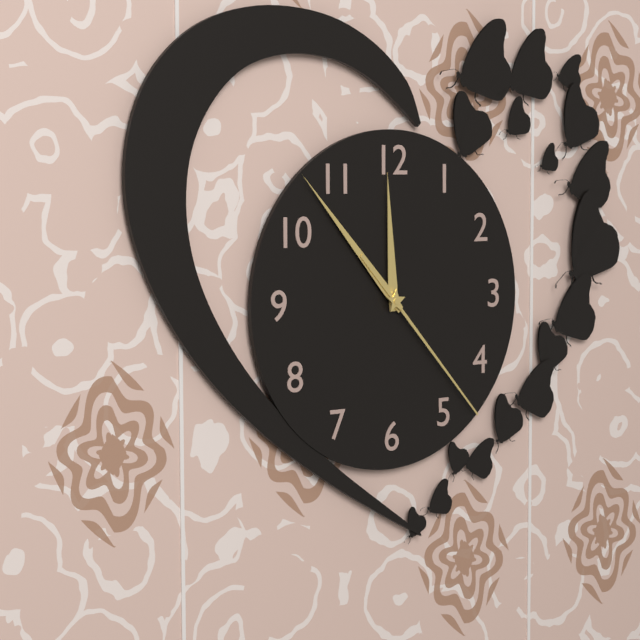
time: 11:53:23
